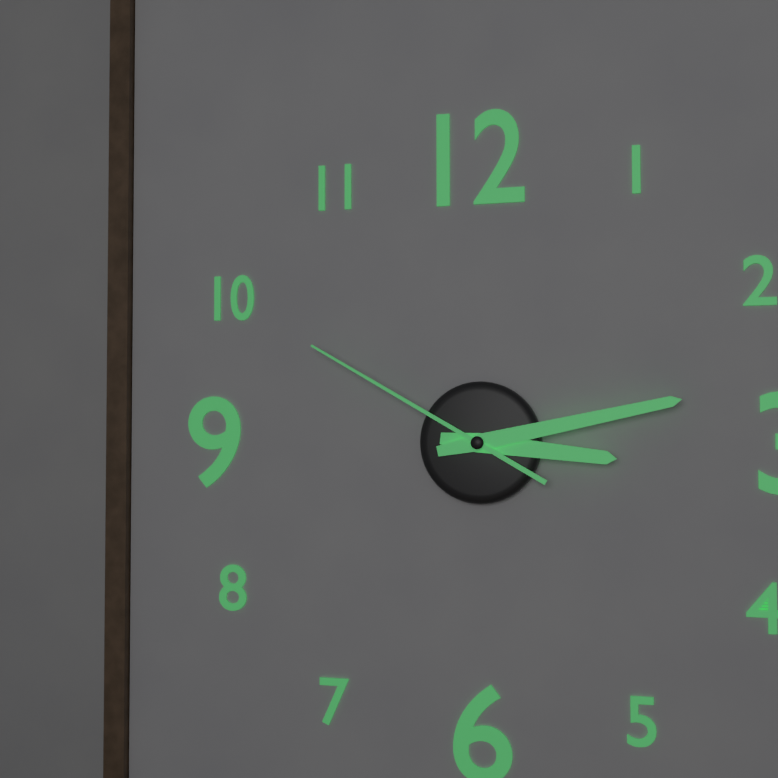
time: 3:13:50
